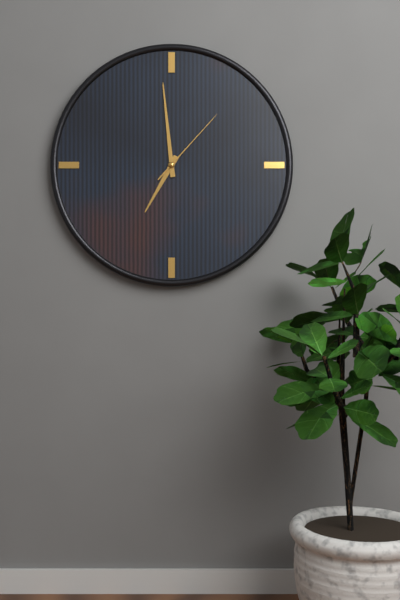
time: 6:59:07
